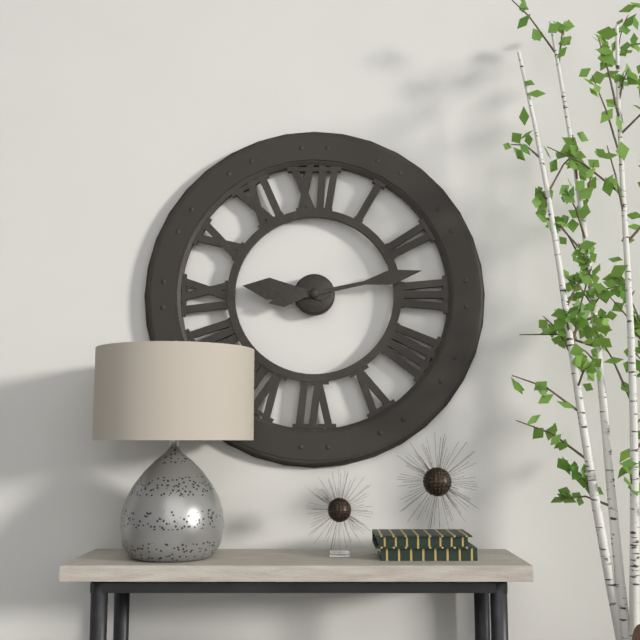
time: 9:13
